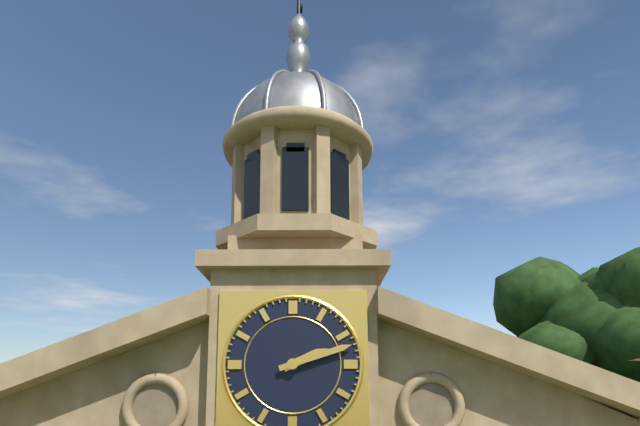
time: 2:12
